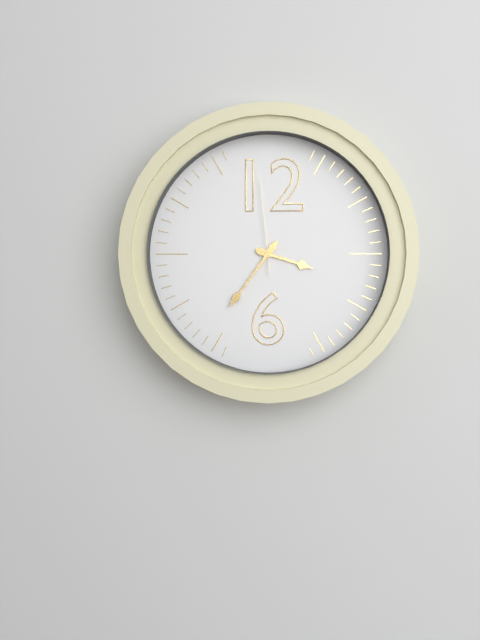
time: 3:36:59
